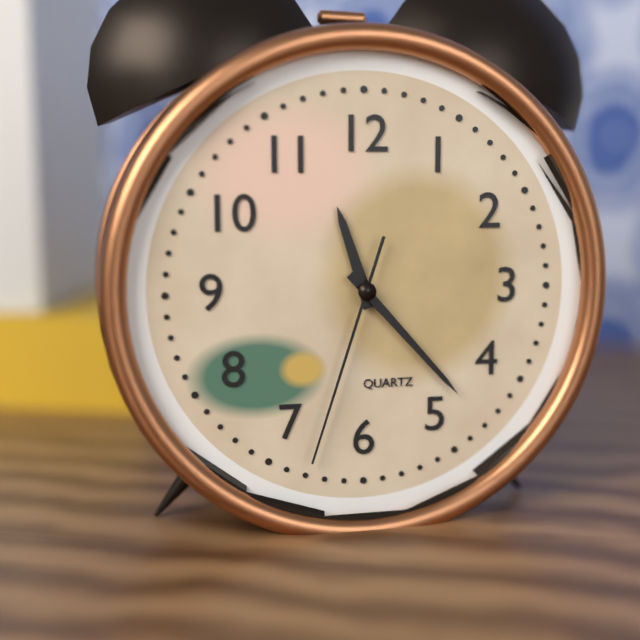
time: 11:23:33
